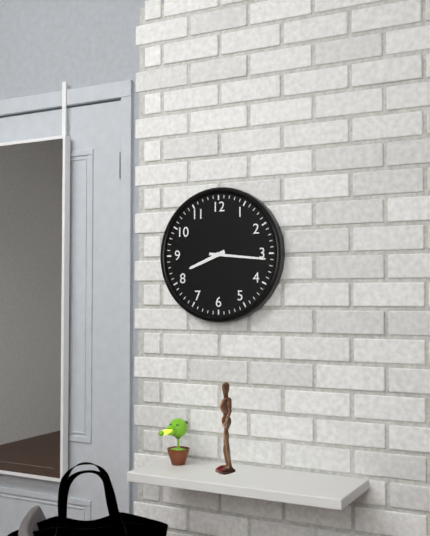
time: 8:16
